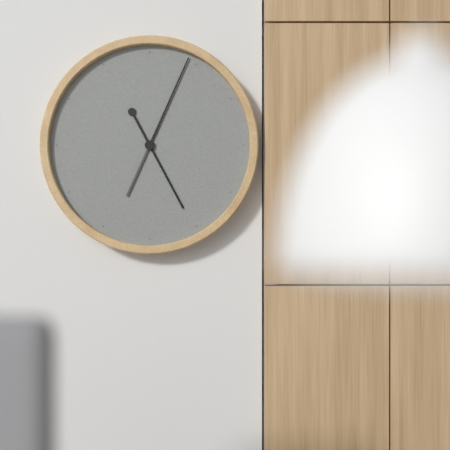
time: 5:04
